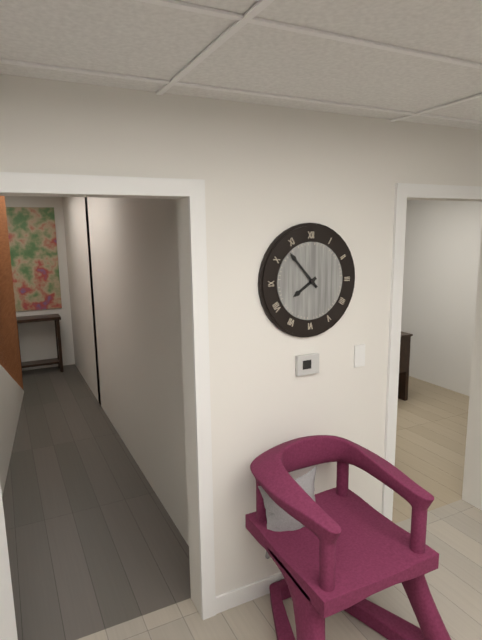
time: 7:53
